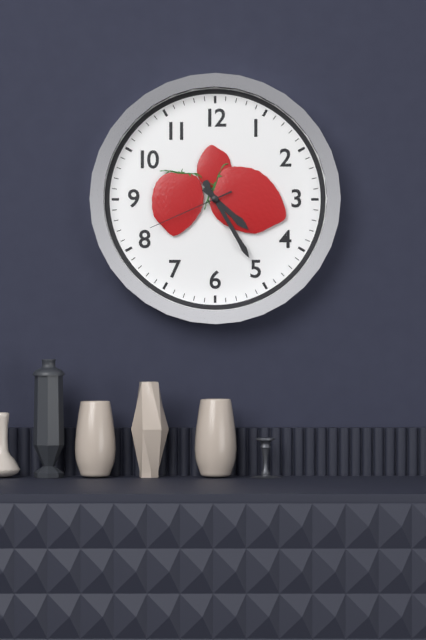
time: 4:25:41
